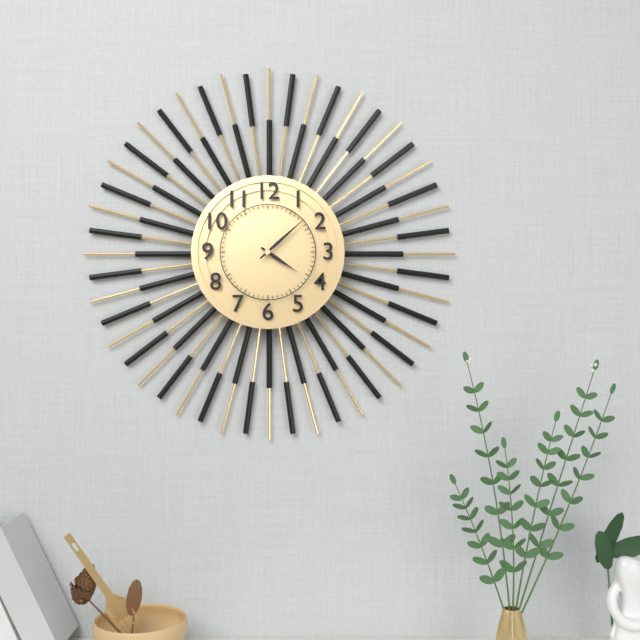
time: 4:08
